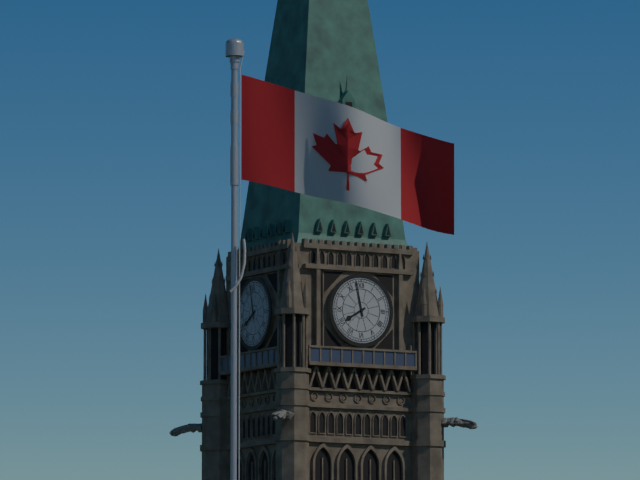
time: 7:58
